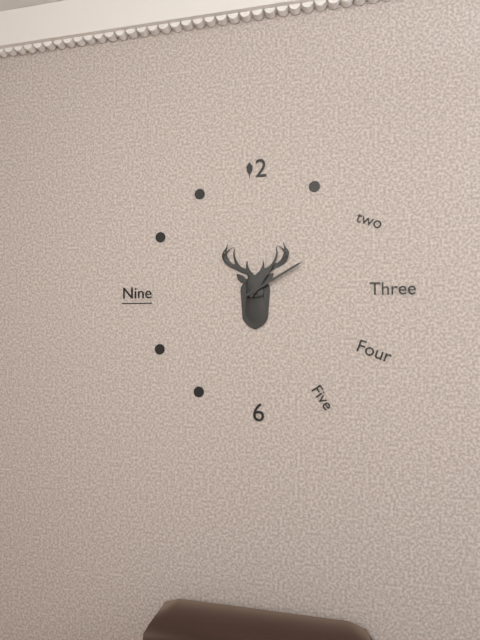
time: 1:10
